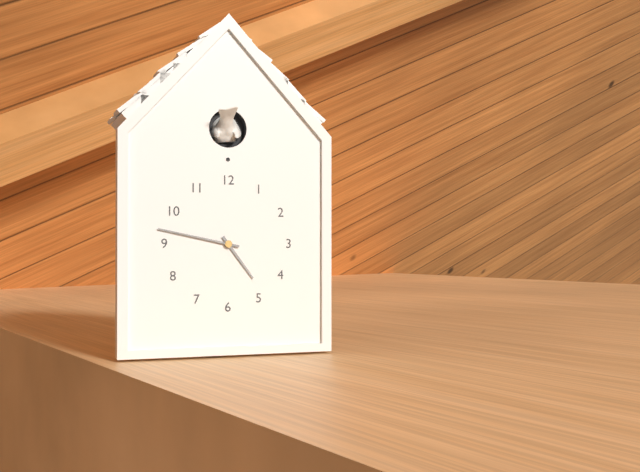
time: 4:47
